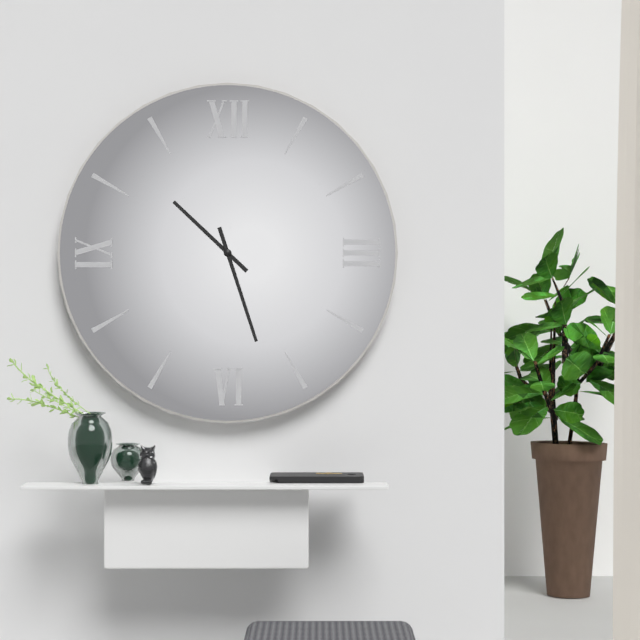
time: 10:27
